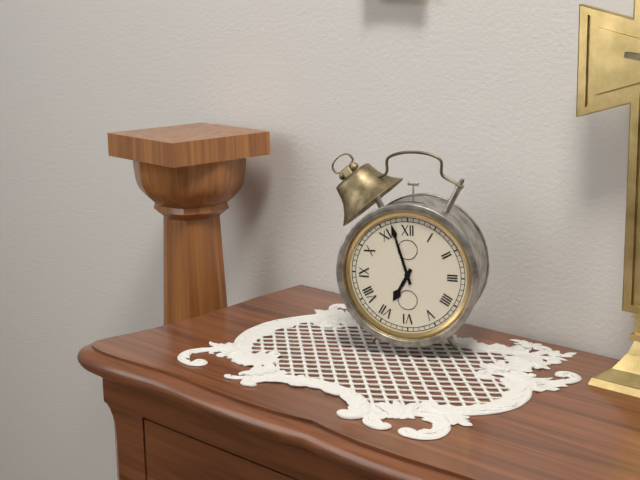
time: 6:57
